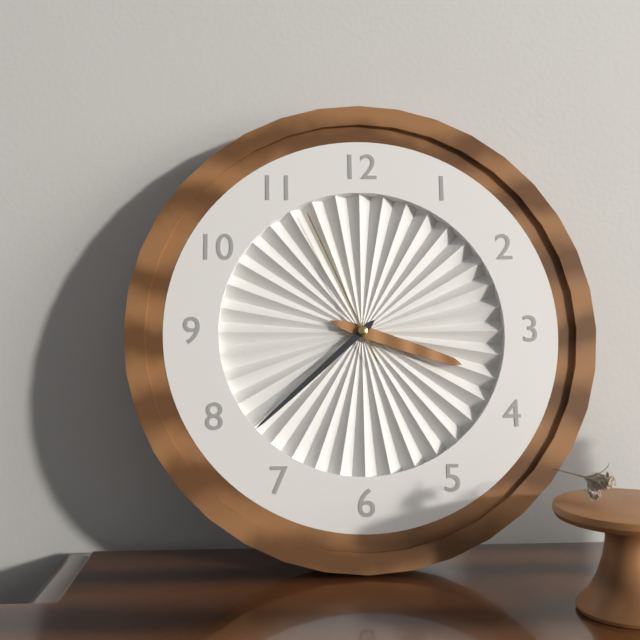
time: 3:38:56
